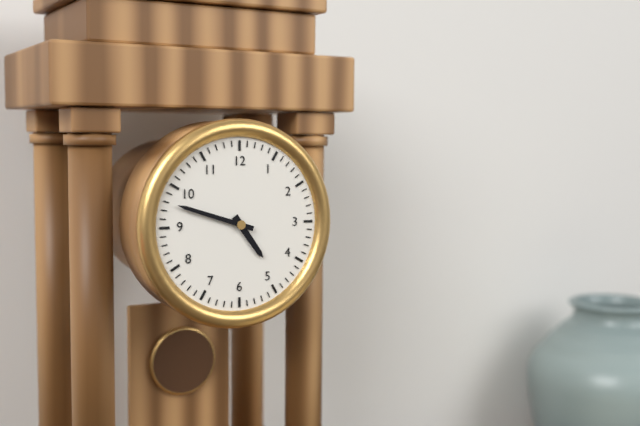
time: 4:48
